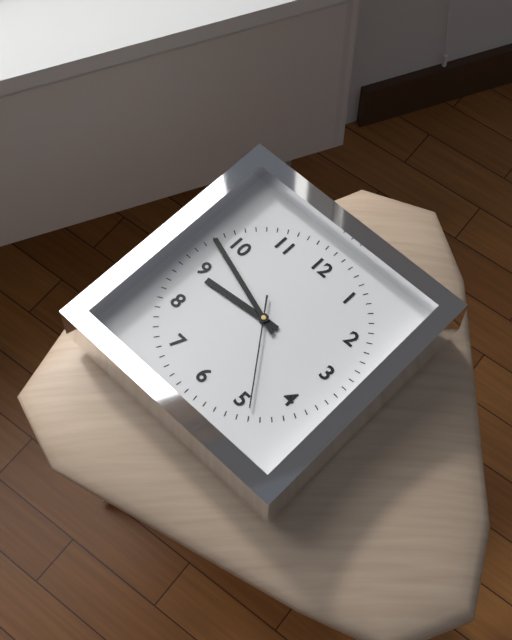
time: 8:48:24
